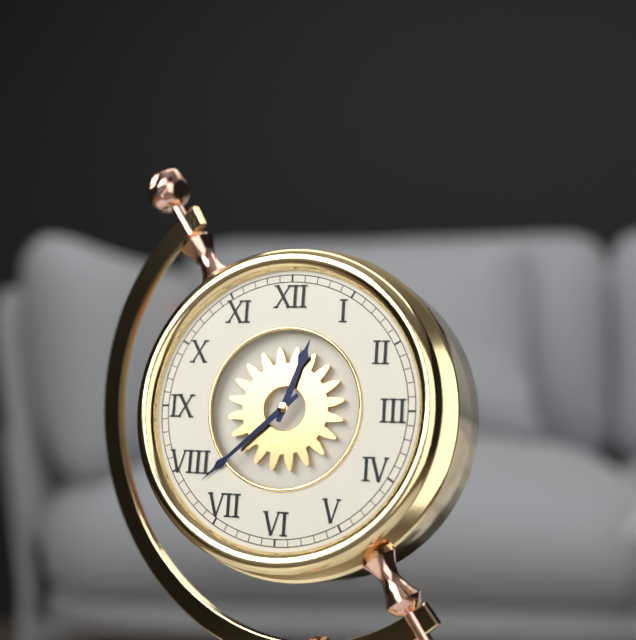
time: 12:38
